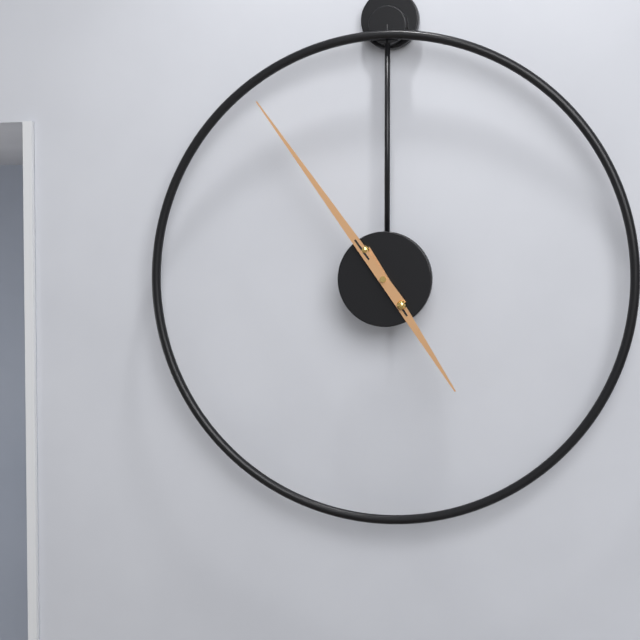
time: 4:54
